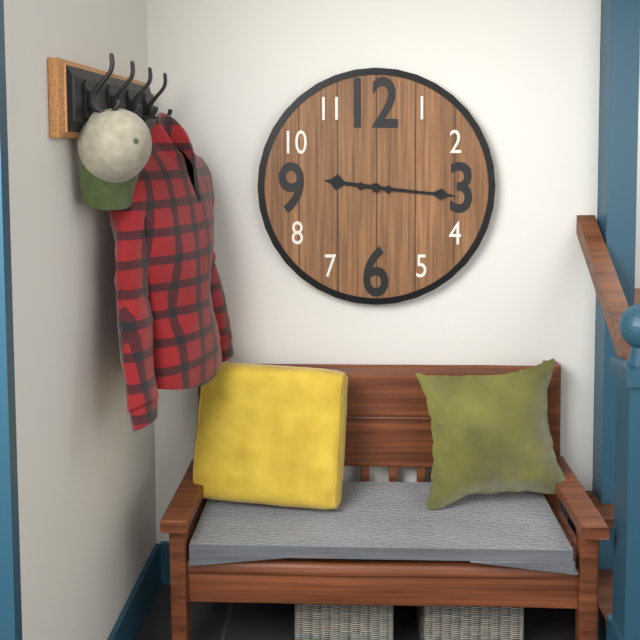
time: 9:16
